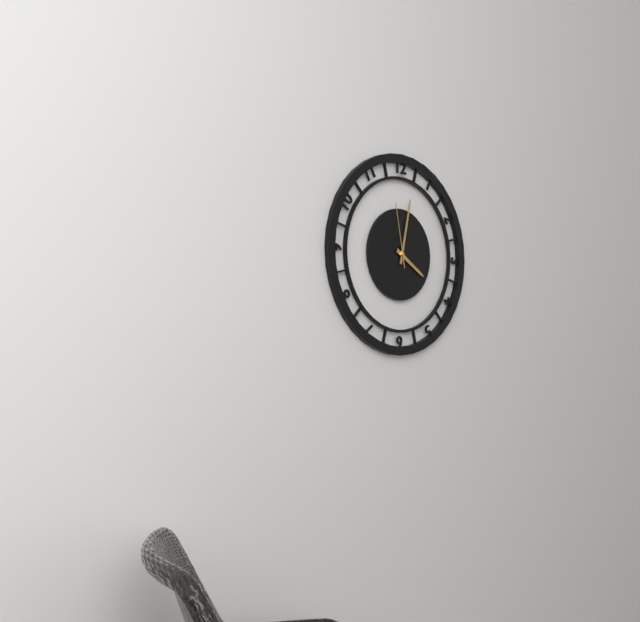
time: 4:02:58
